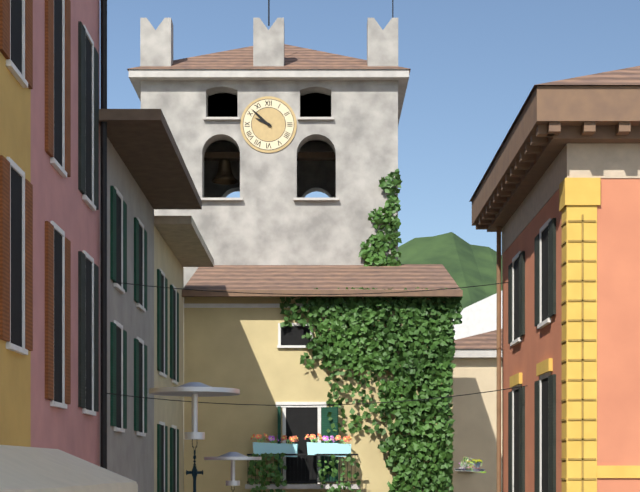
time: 9:52
